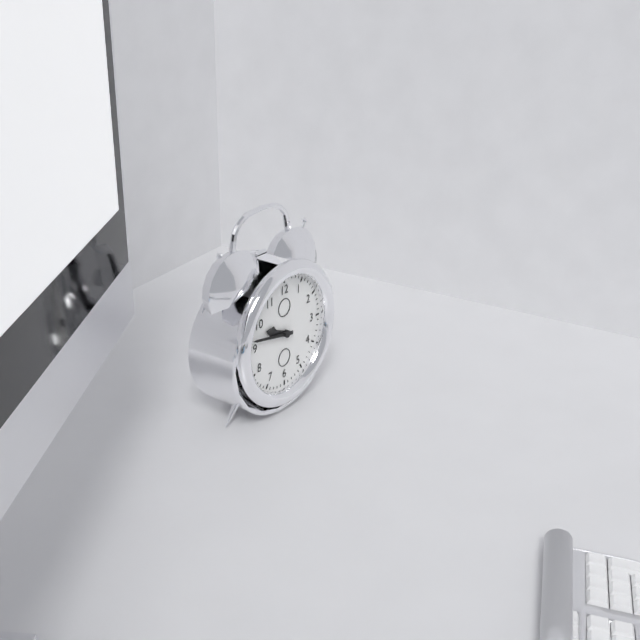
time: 9:47
